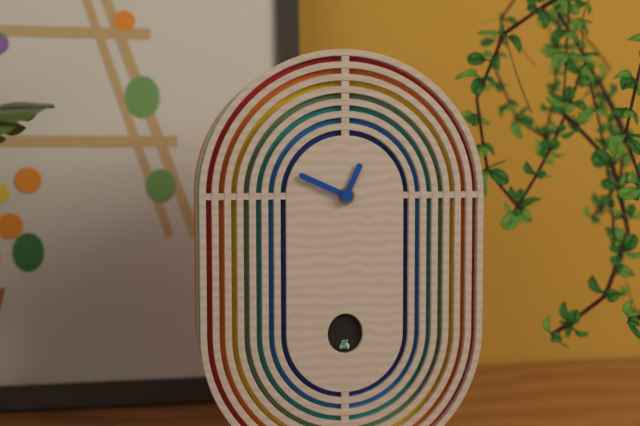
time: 12:49
